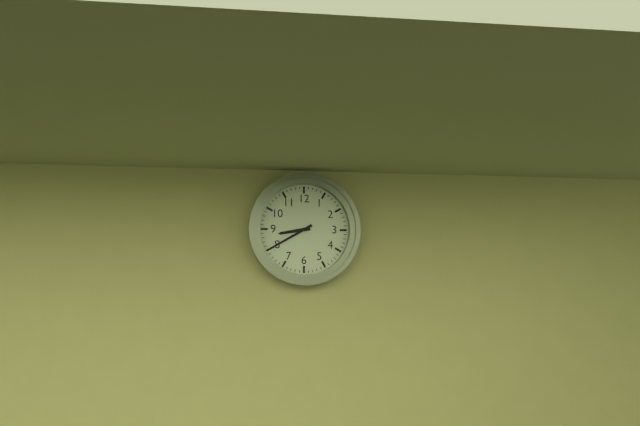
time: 8:40
